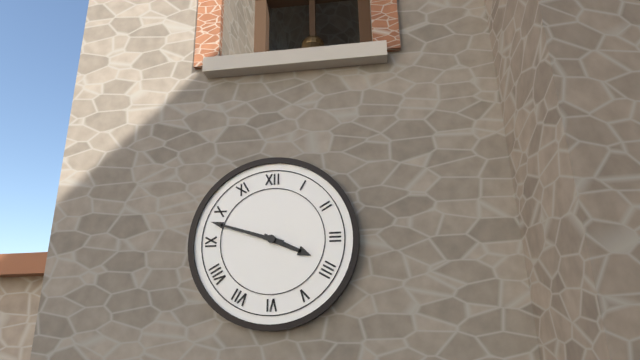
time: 3:48
